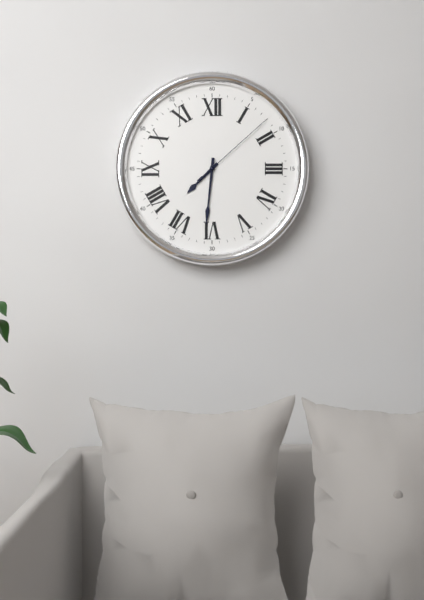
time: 7:31:08
